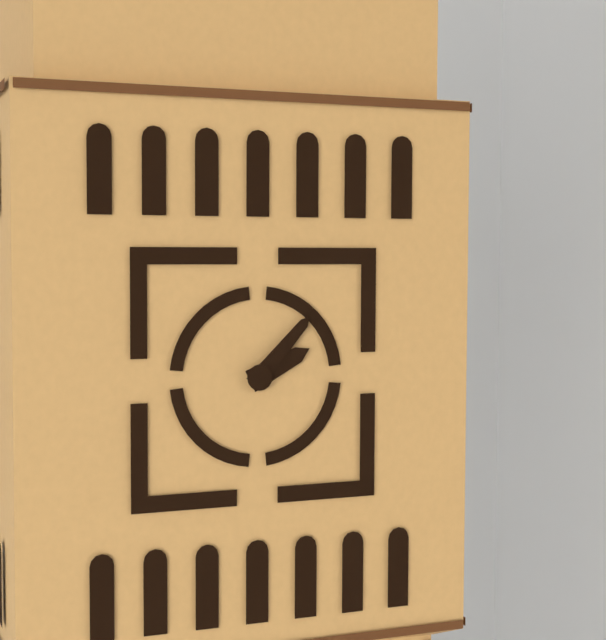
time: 2:07
